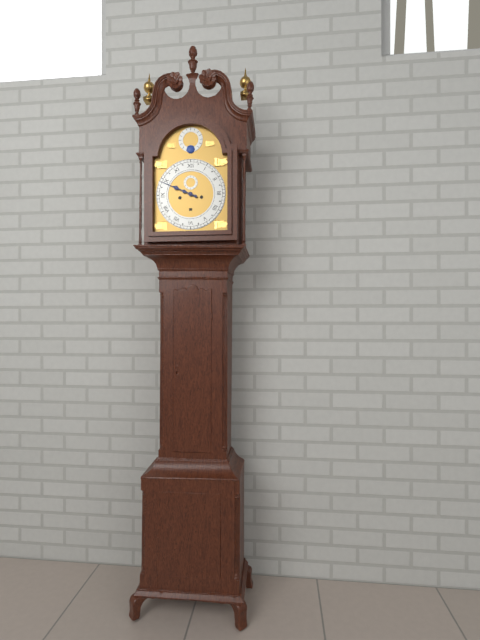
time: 9:49
